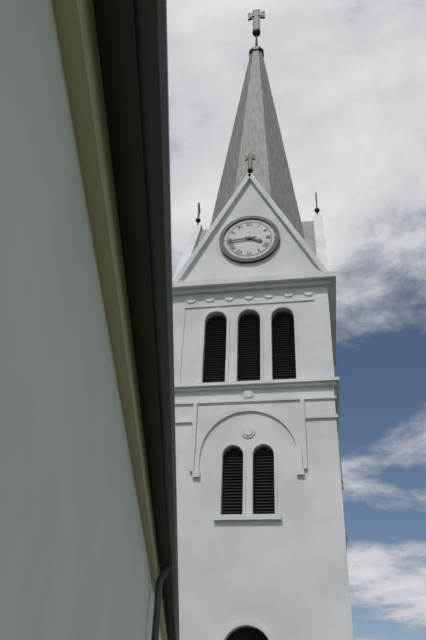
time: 3:44
